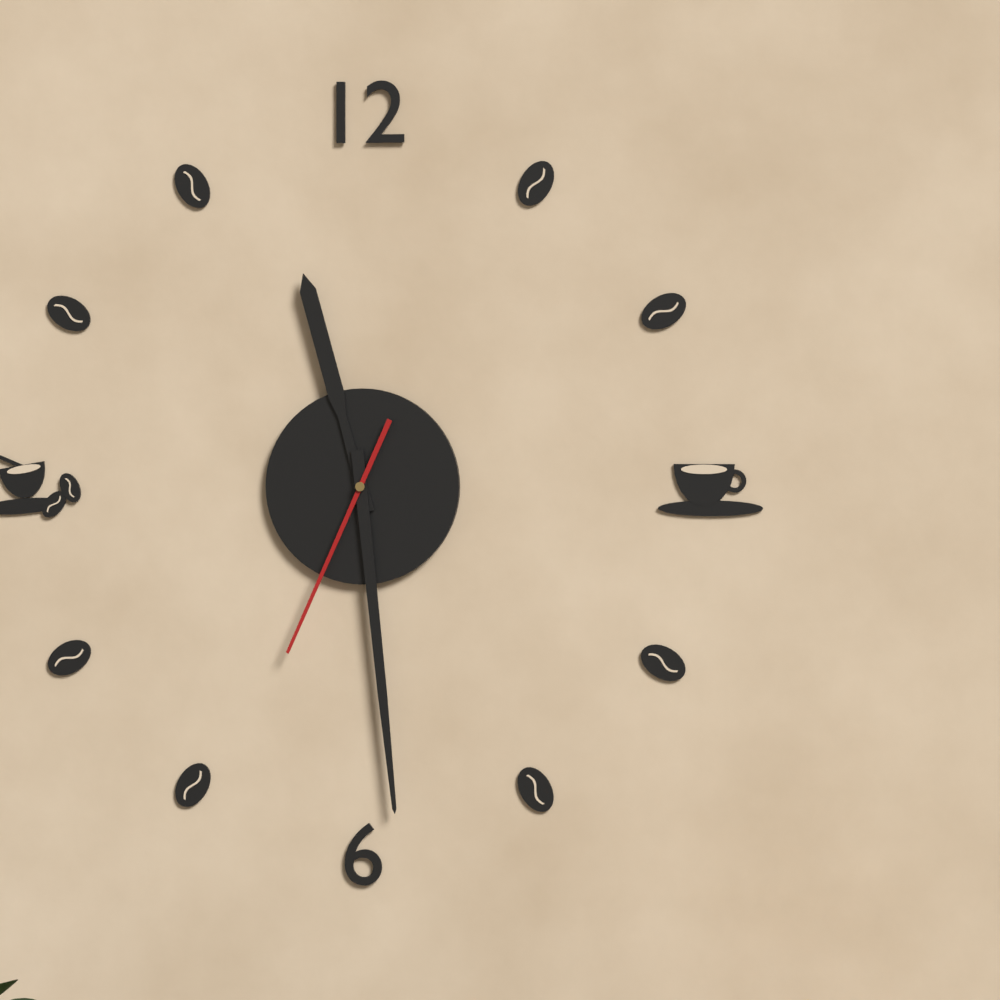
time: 11:29:34
